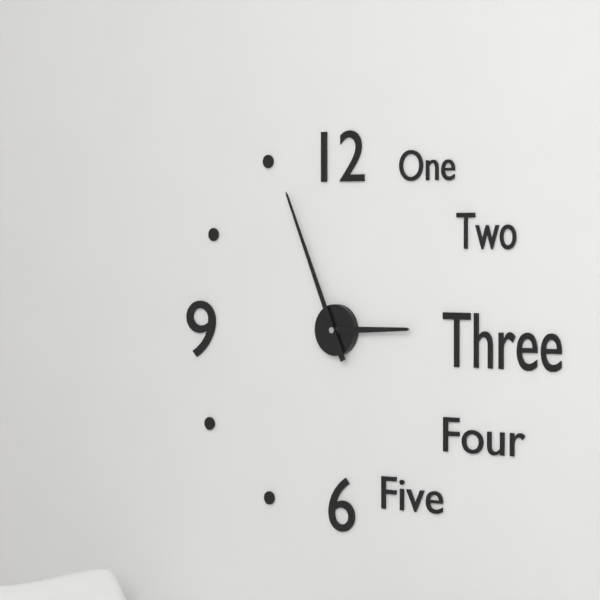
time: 2:56
